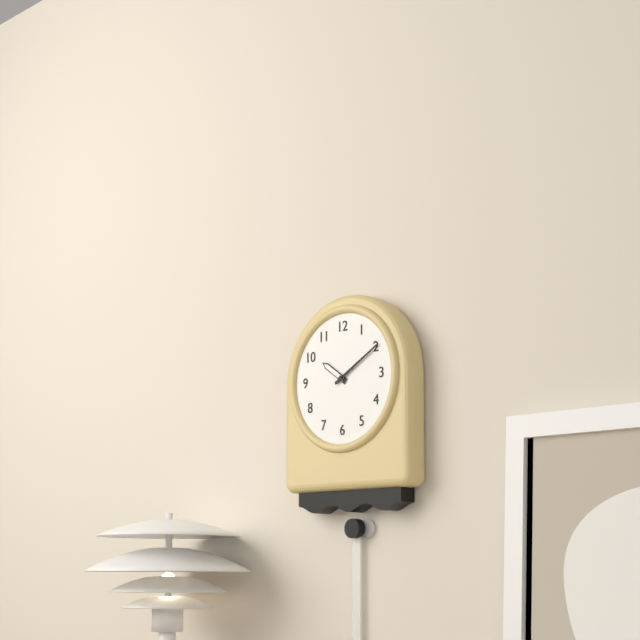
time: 10:10
